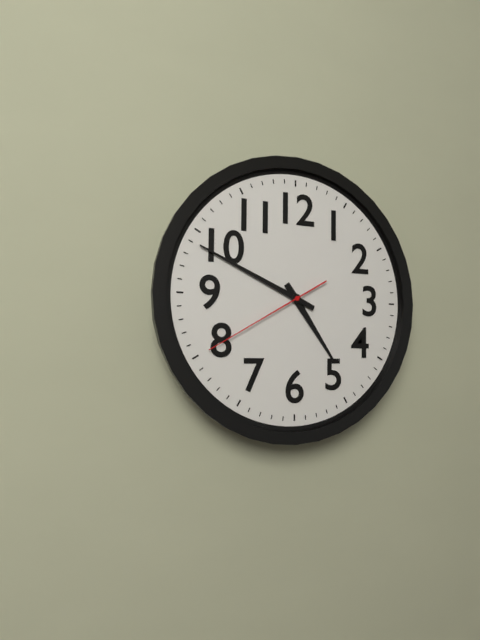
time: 4:49:40
